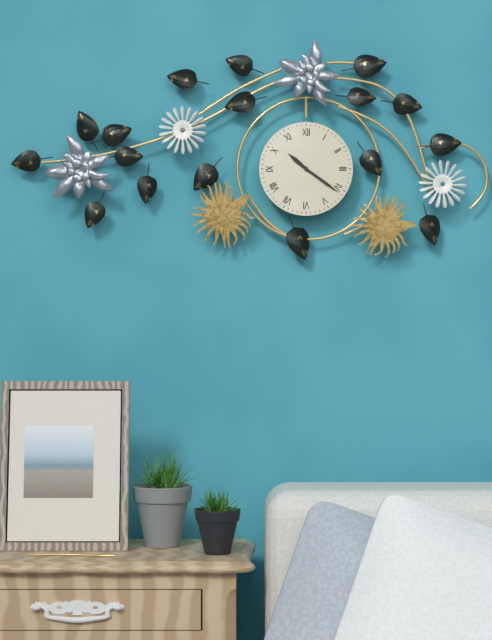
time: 10:21
